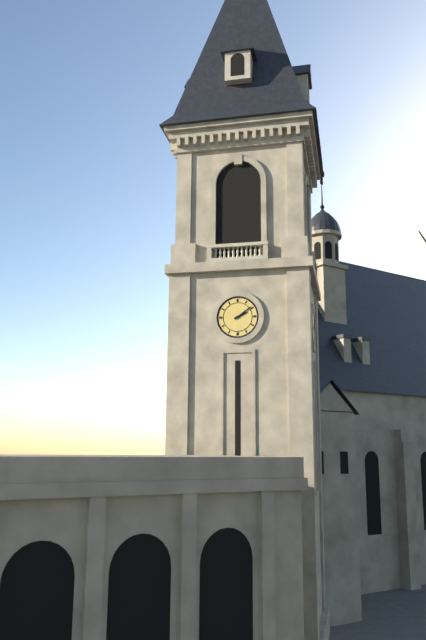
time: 2:09
